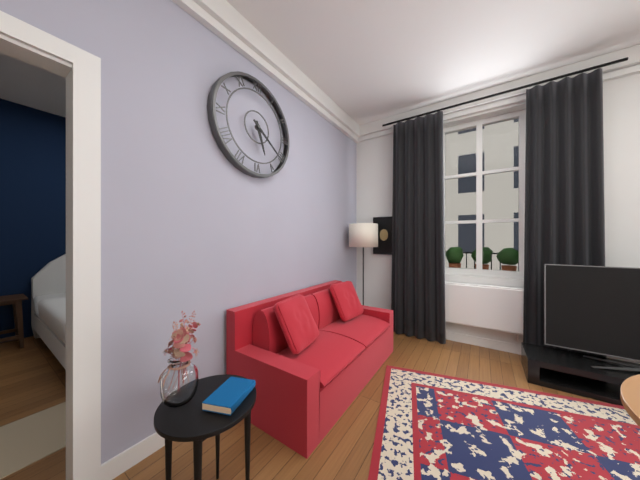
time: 5:21
